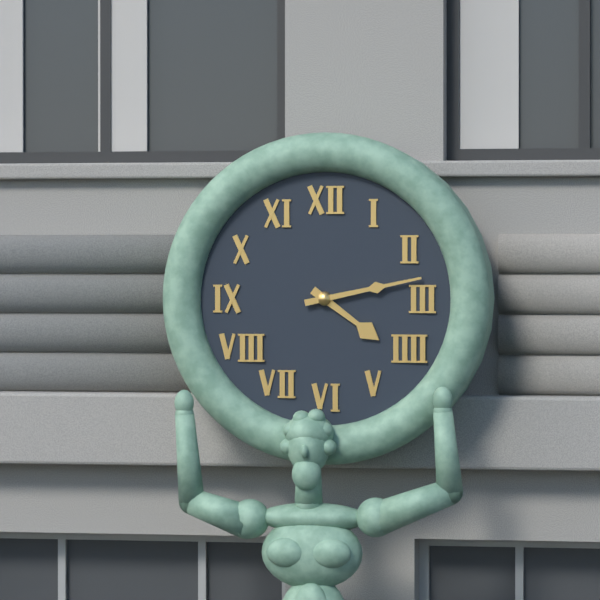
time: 4:13
